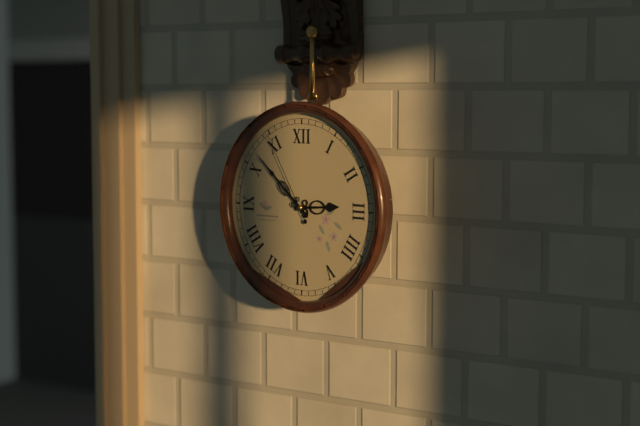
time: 2:52:55
